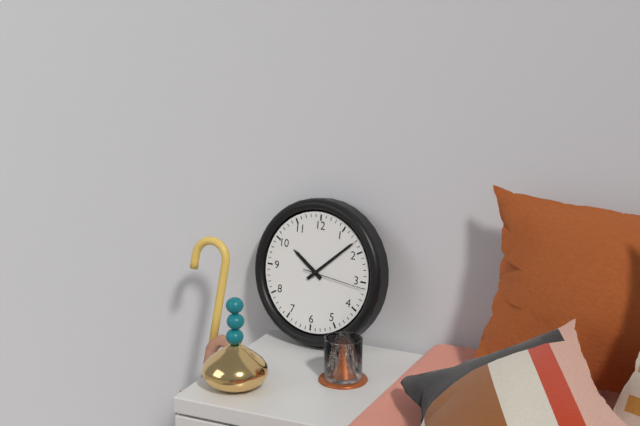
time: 10:08:16
